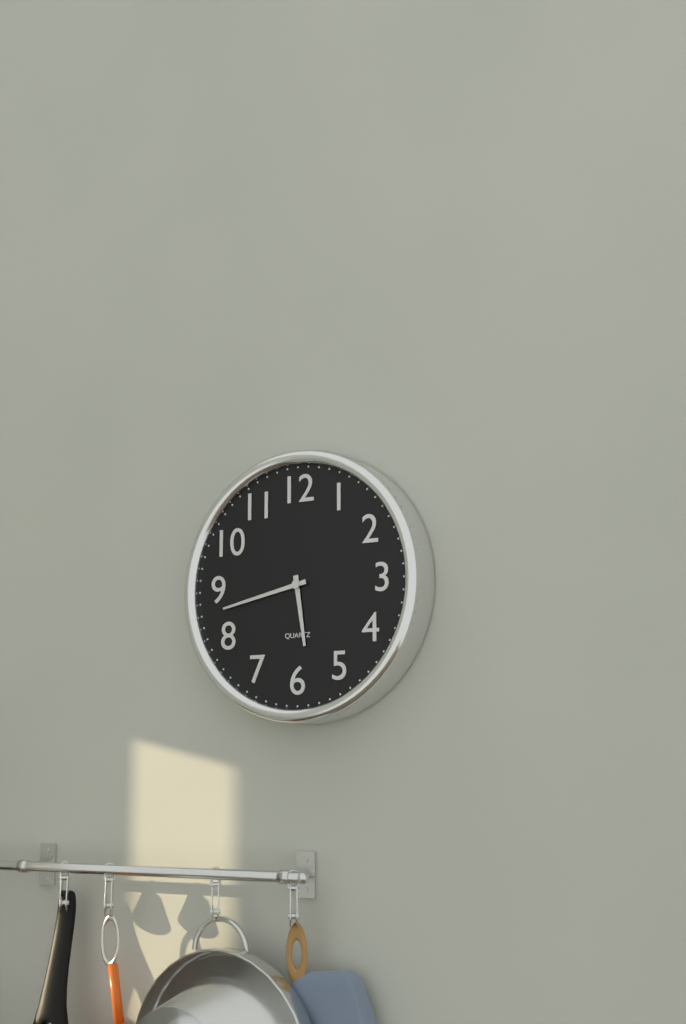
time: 5:43
